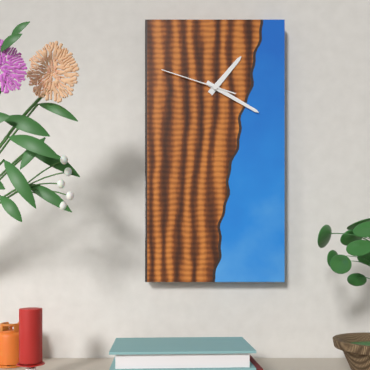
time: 1:20:48
